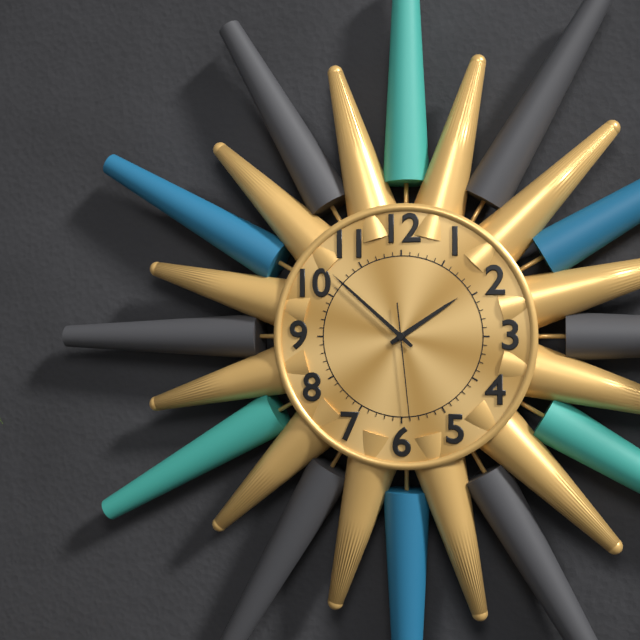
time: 1:52:29
